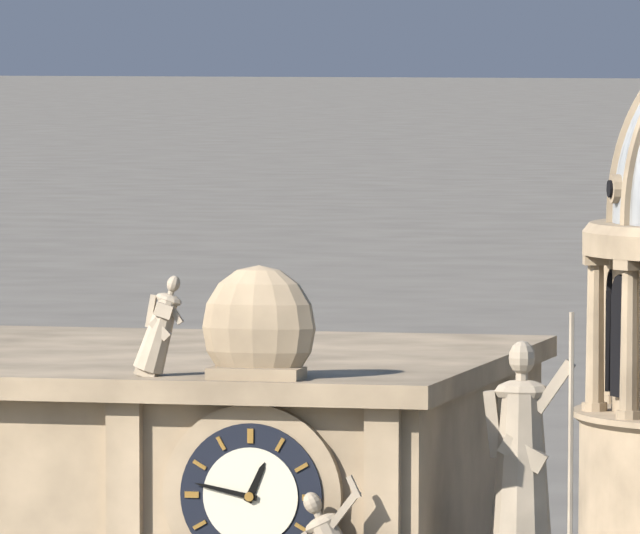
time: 12:47
